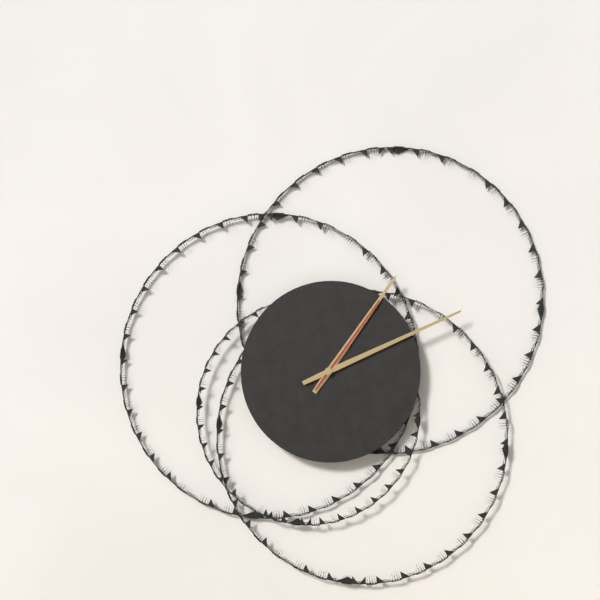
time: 1:11:06
